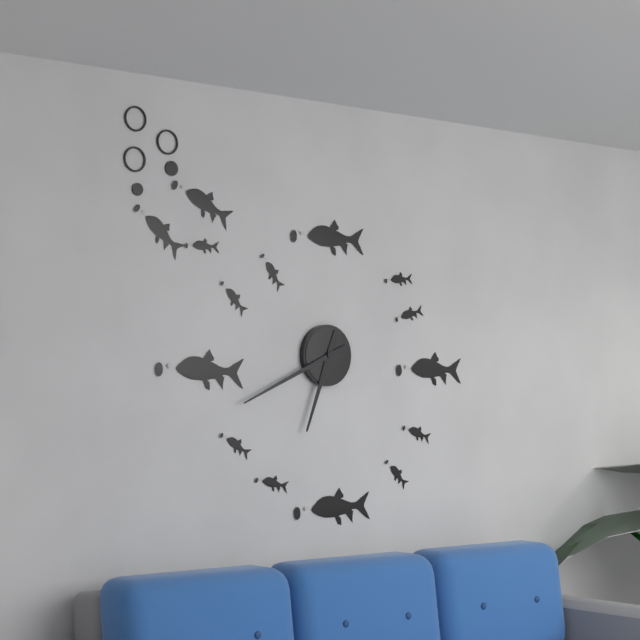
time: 6:41
